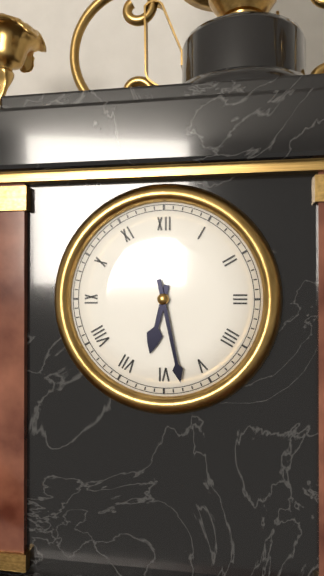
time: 6:28
